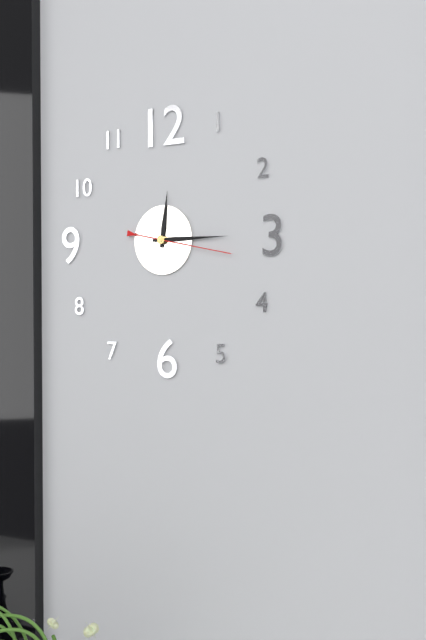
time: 12:15:17
